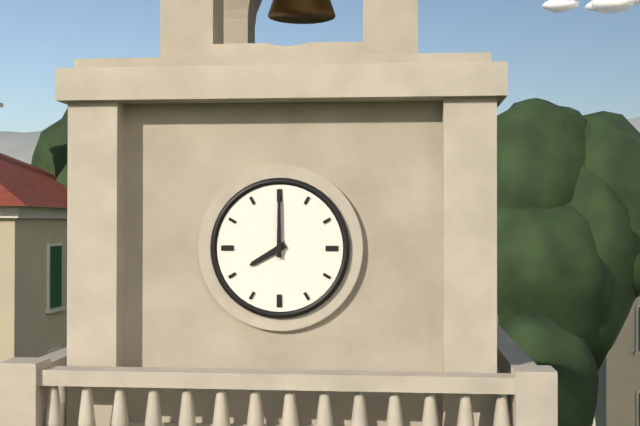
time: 8:00
